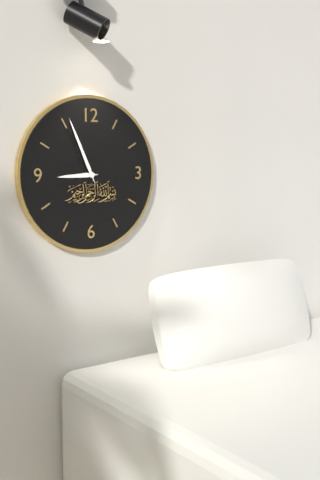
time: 8:56
